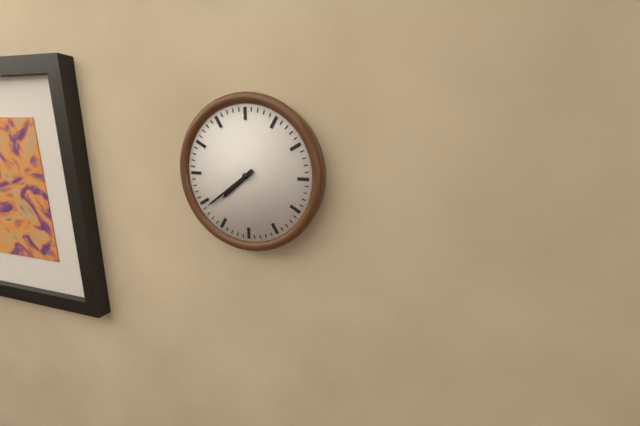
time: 7:39
